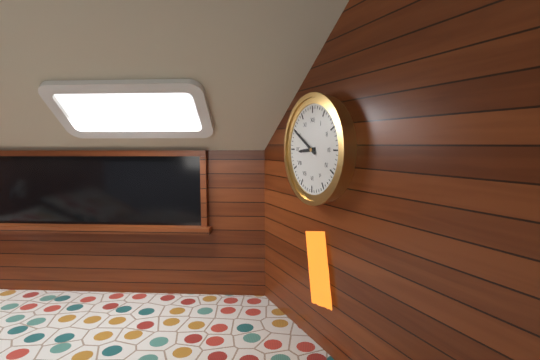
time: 8:50
